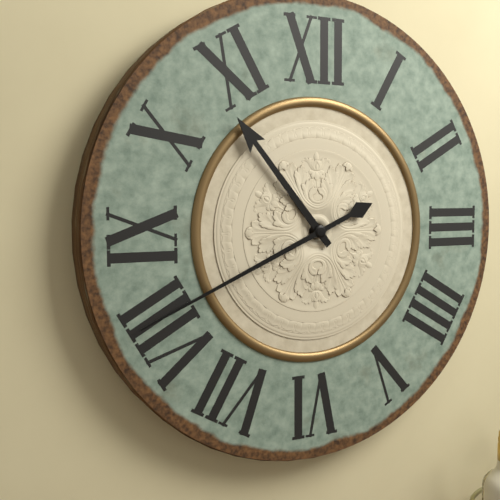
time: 10:41
